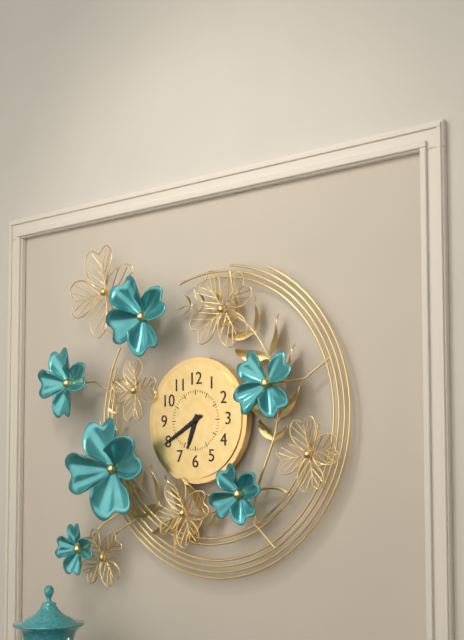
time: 6:40
